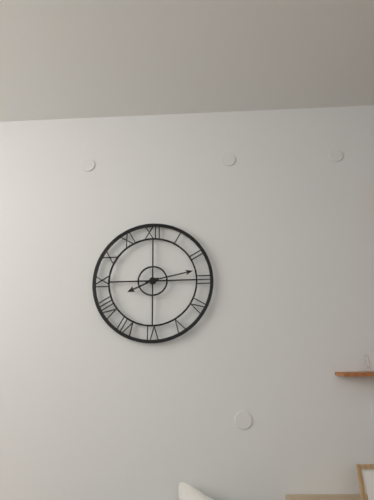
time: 8:13
